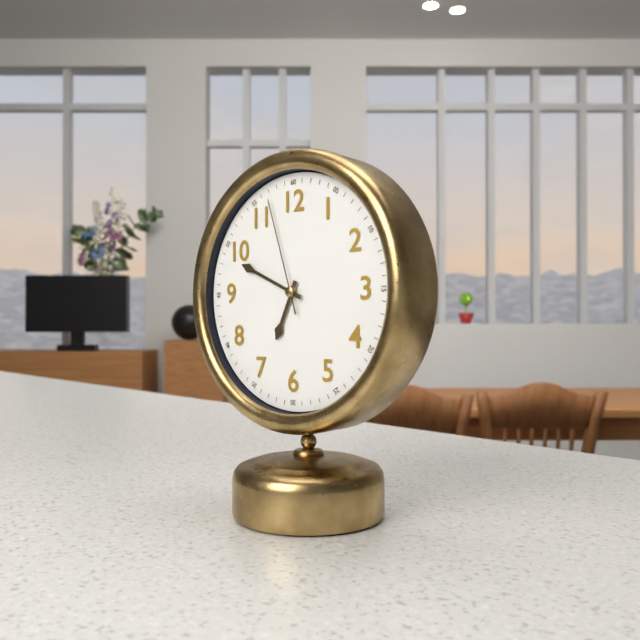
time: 6:49:57
